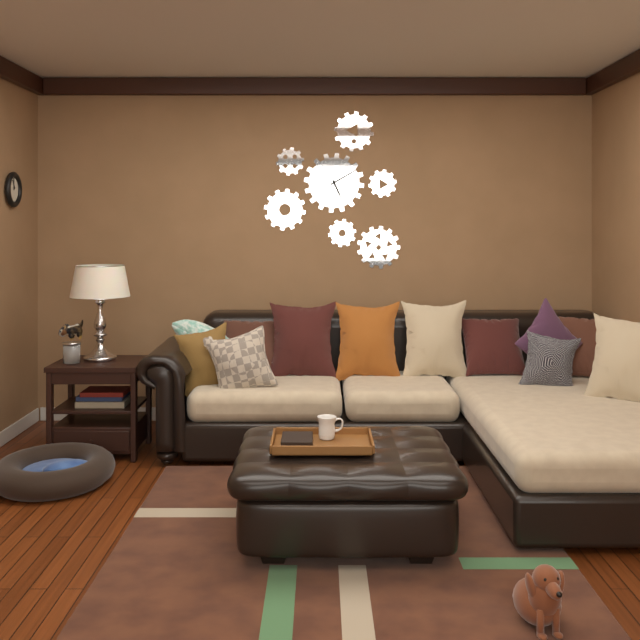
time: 5:10
